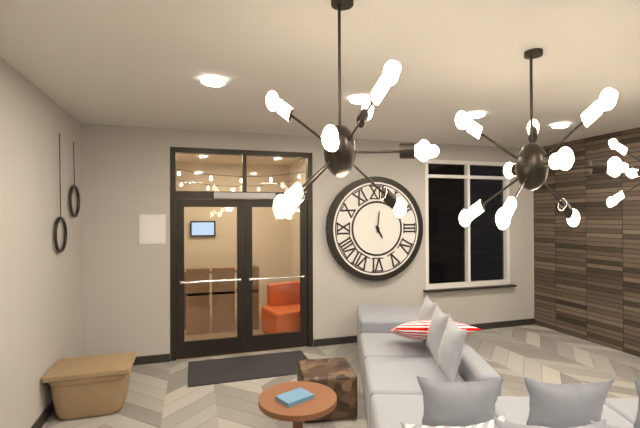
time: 5:01
